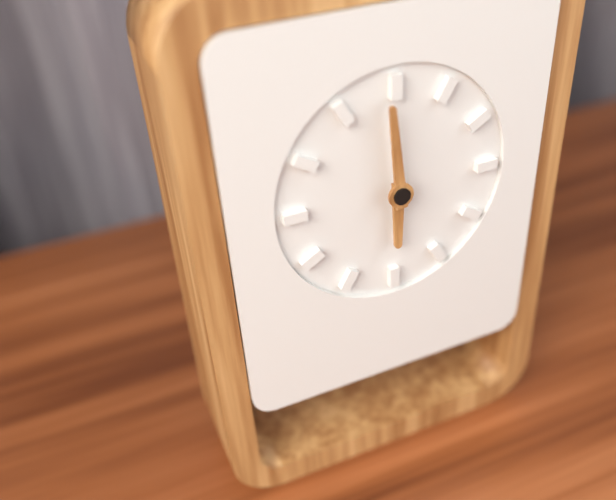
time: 5:59
